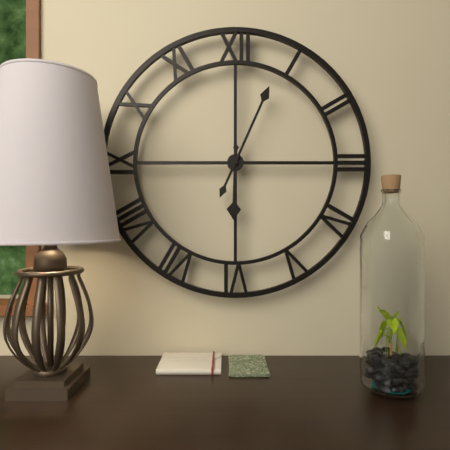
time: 6:04
